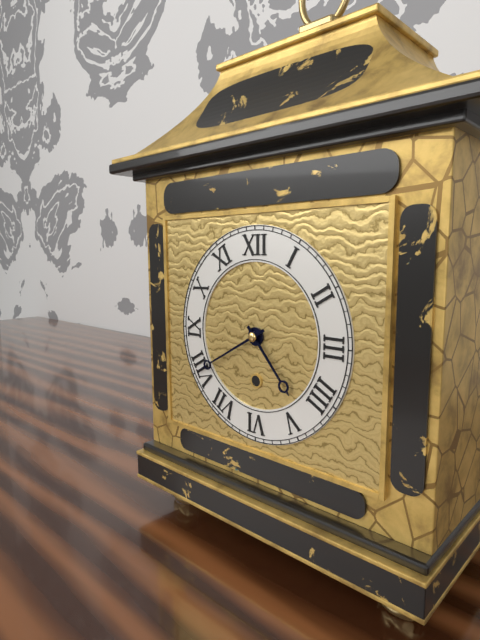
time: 4:40
